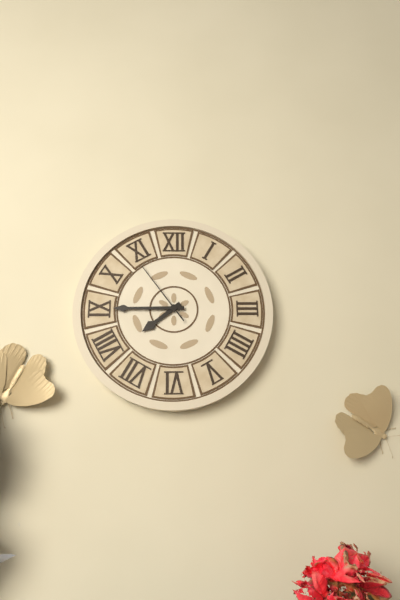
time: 7:45:54
